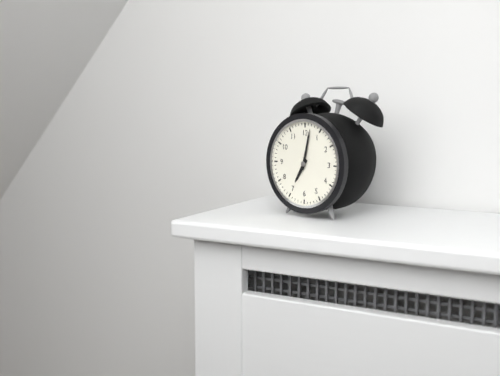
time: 7:02
